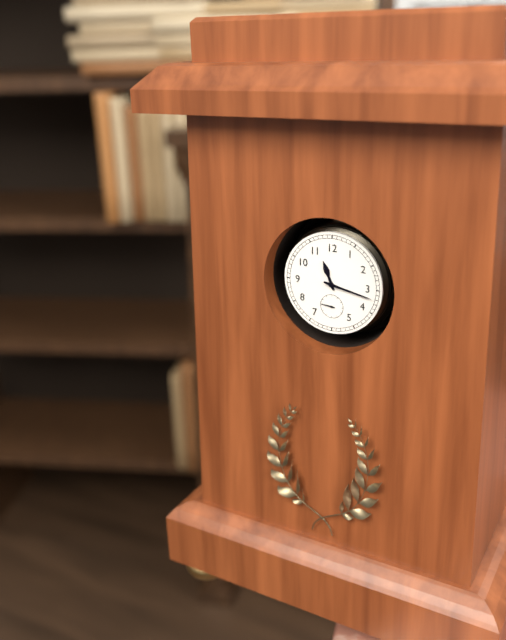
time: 11:17
